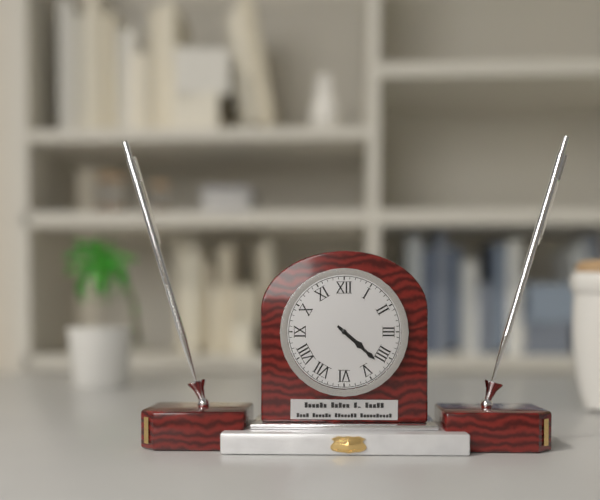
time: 4:22
